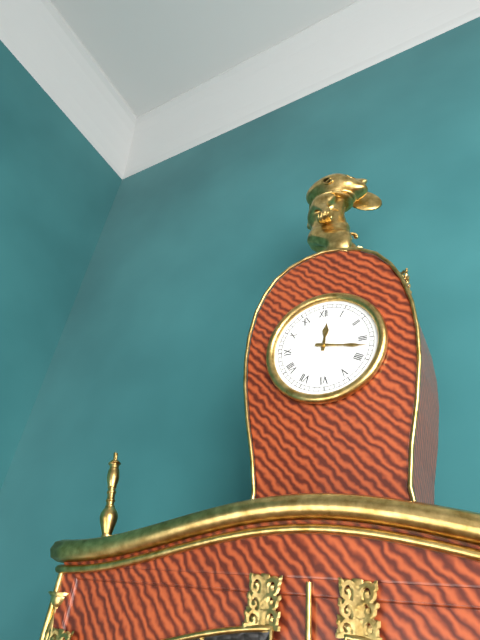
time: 12:17
